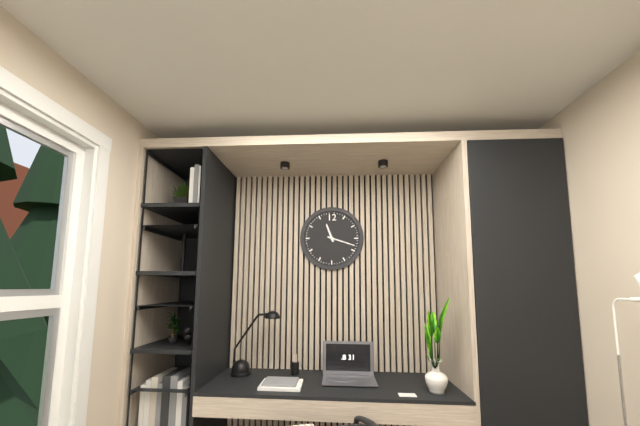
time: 11:18
